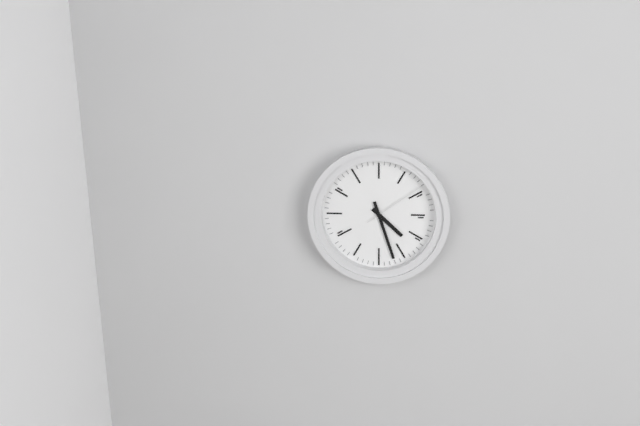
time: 4:27:09
